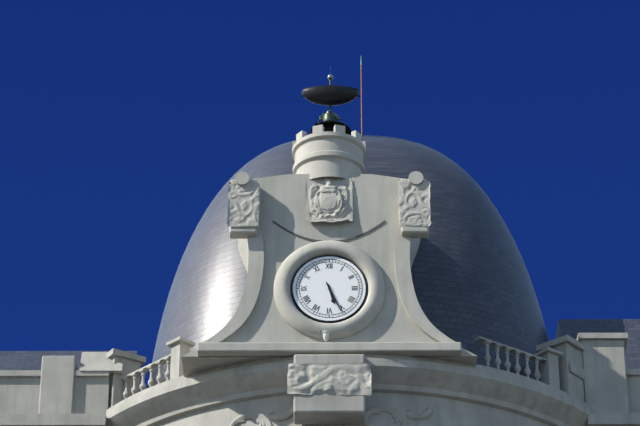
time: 5:26
